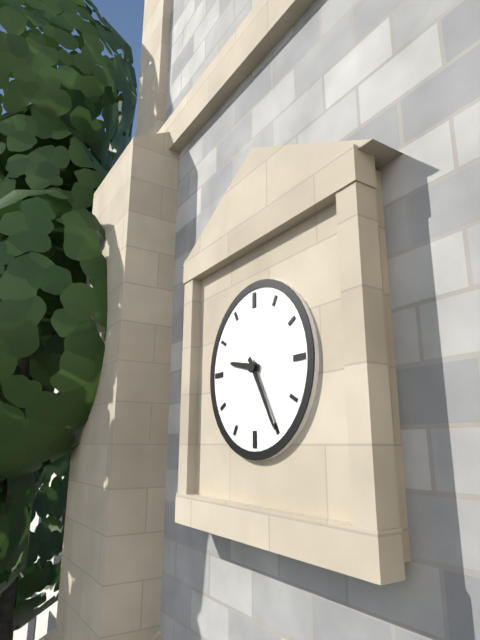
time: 9:25
